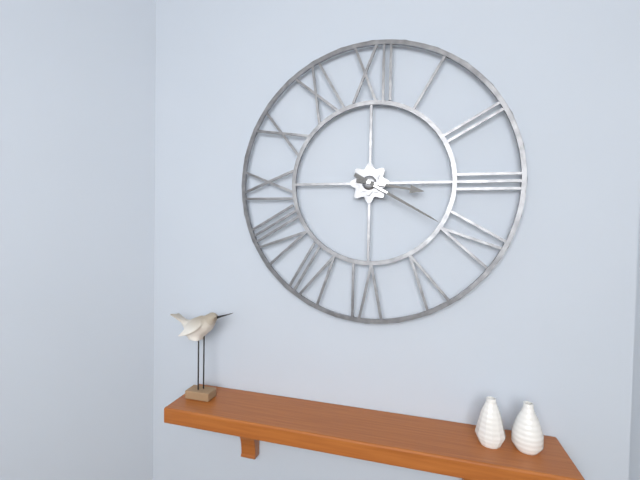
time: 3:20
